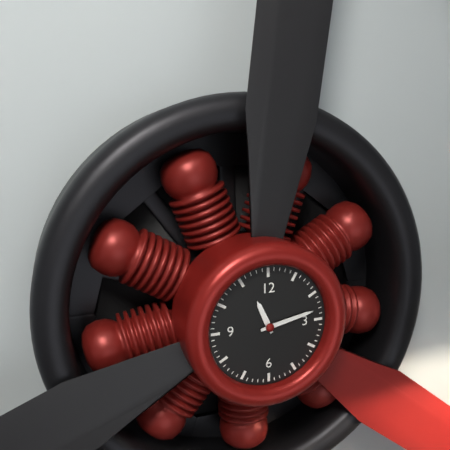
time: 11:13
